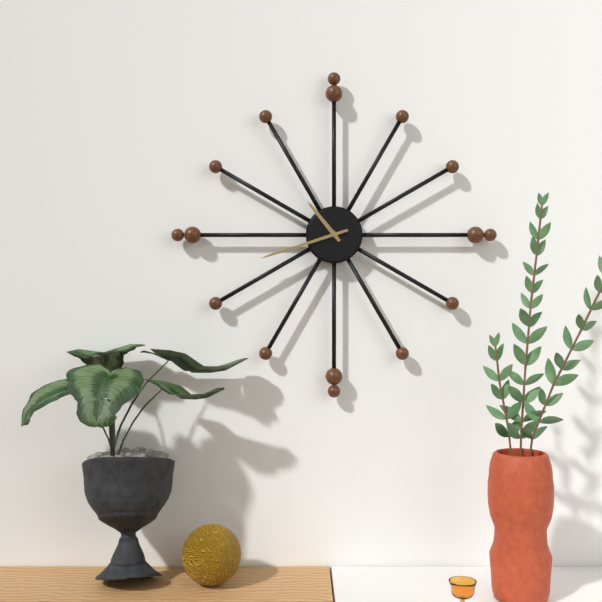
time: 10:42
